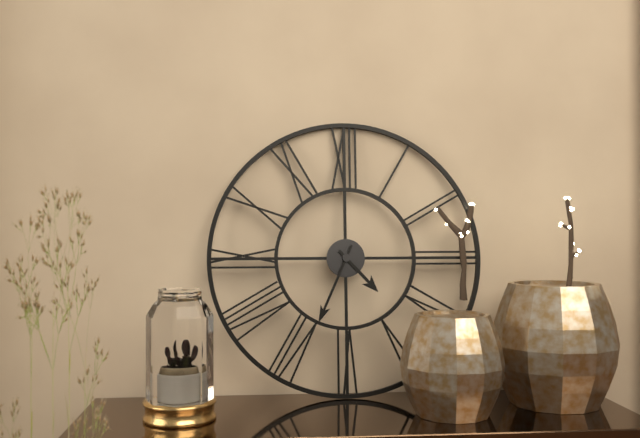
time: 4:34
